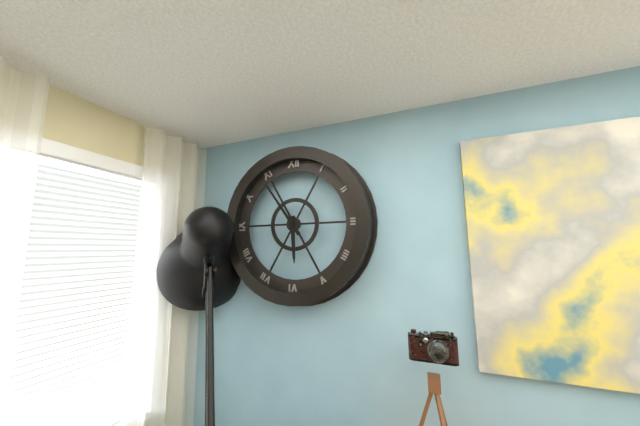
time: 5:54
